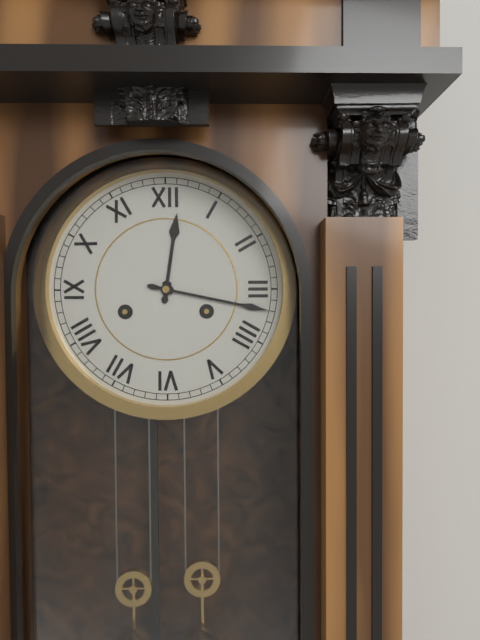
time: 12:17
